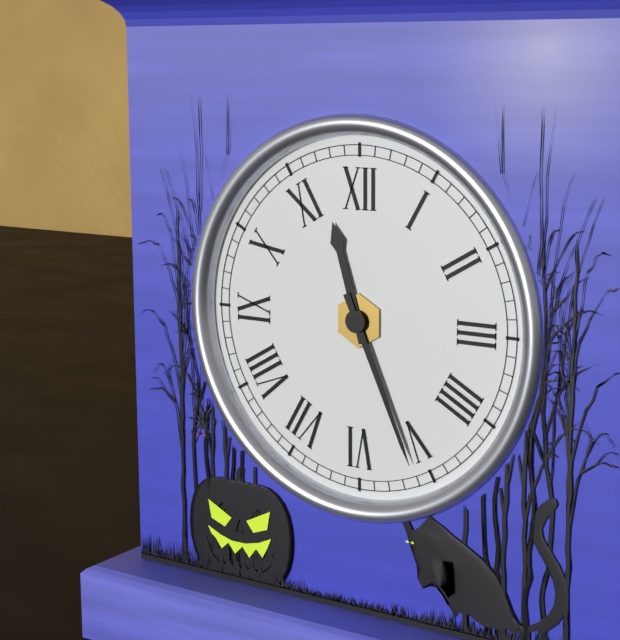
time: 11:26
